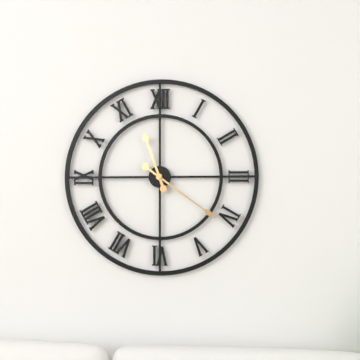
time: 11:21
